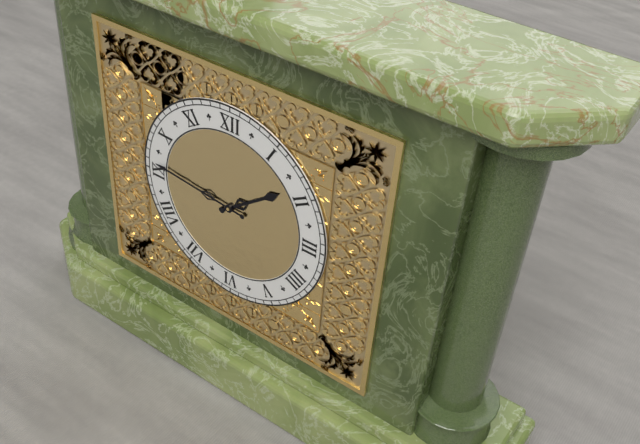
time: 1:46
